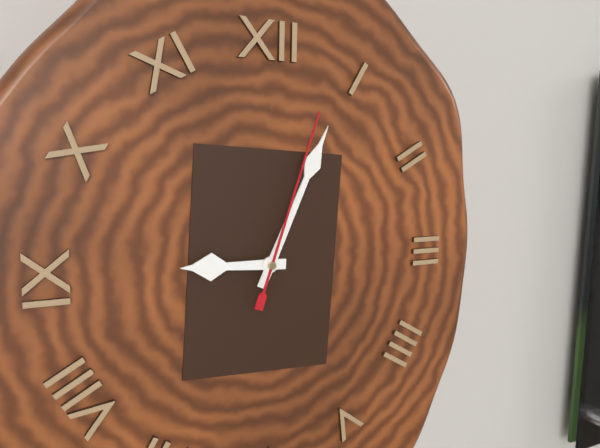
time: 9:04:03
